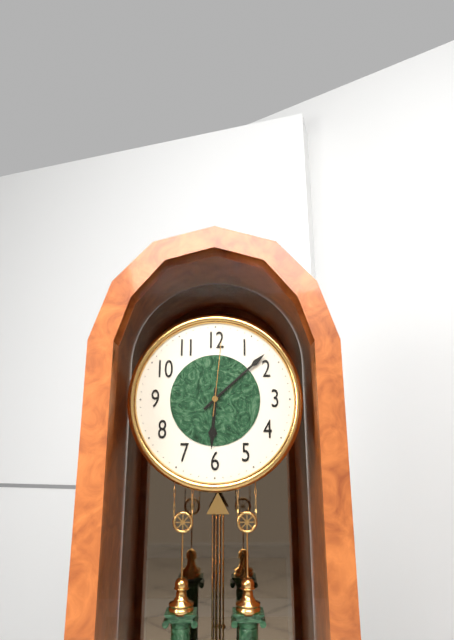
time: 6:08:01
